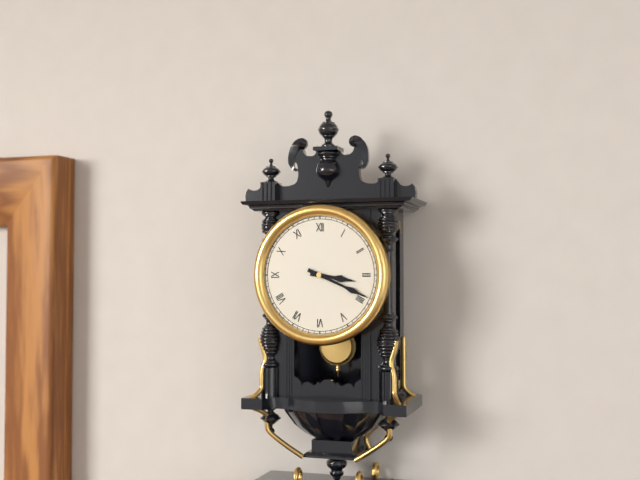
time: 3:19
